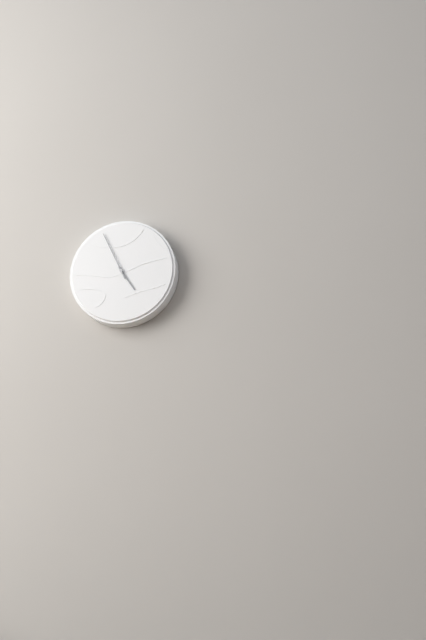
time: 4:56
